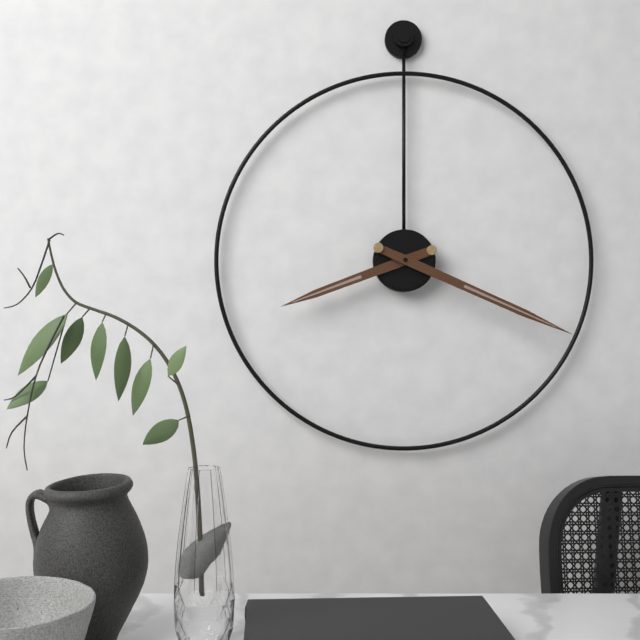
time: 8:19
